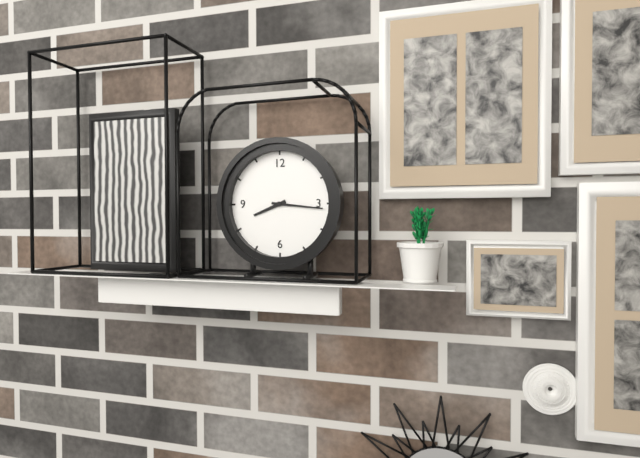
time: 8:16
